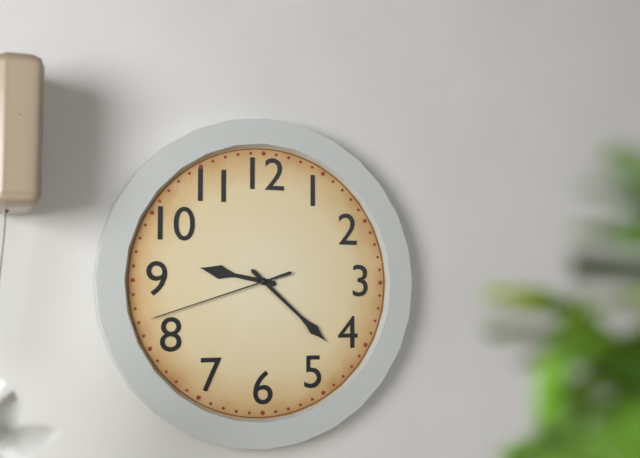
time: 9:22:42
